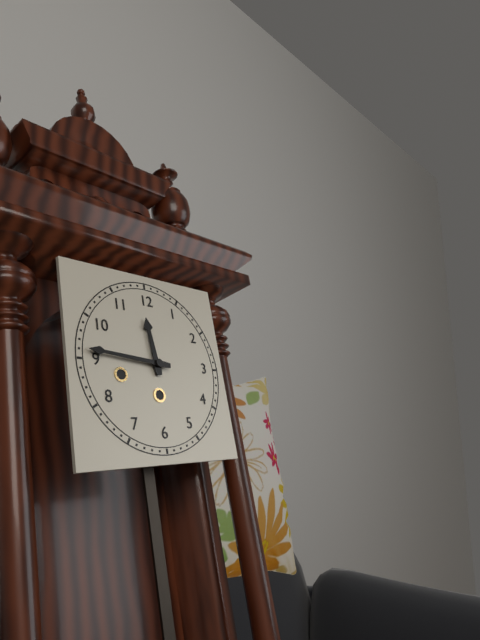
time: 11:46
